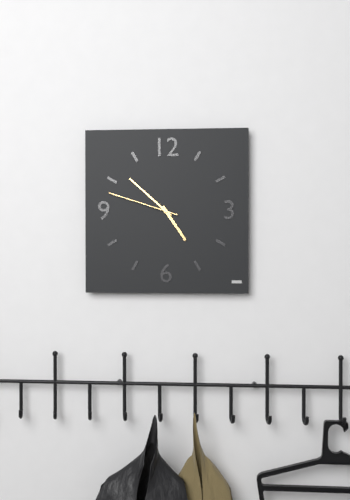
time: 4:52:48
